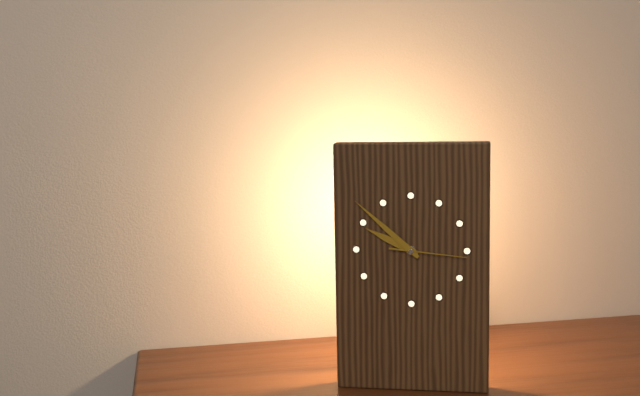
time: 9:52:16
